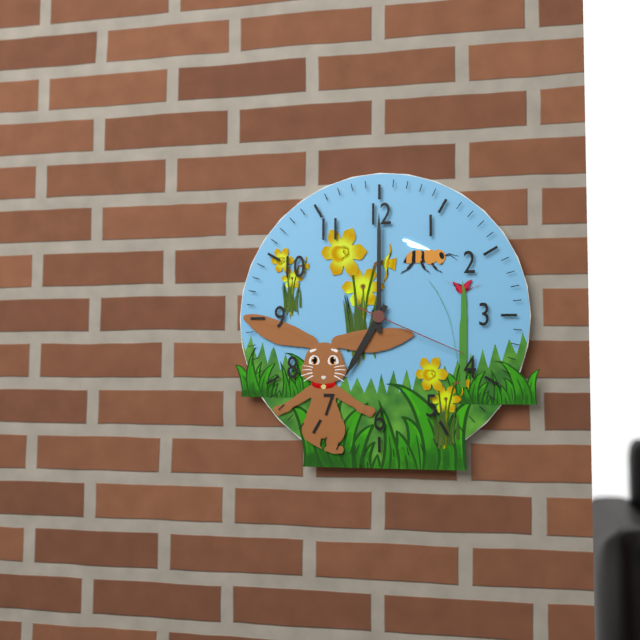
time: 7:00:19
